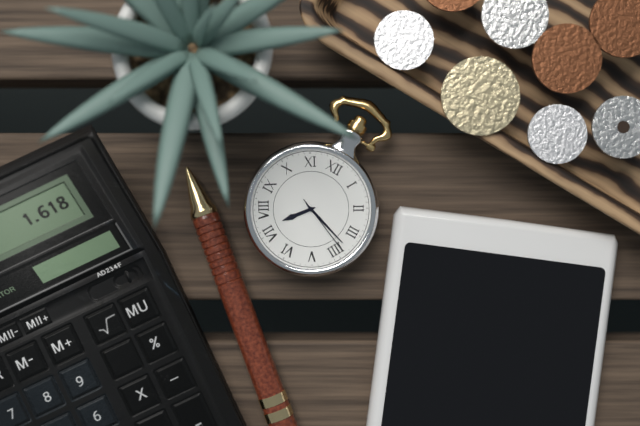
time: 7:18:19
